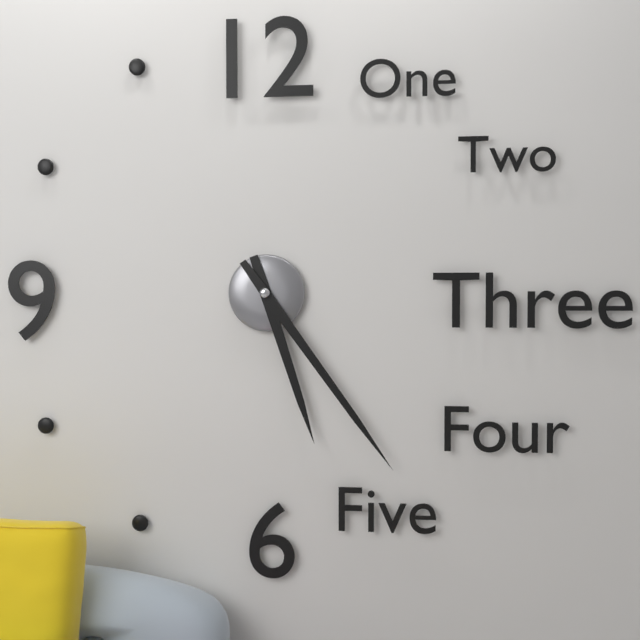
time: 5:24
